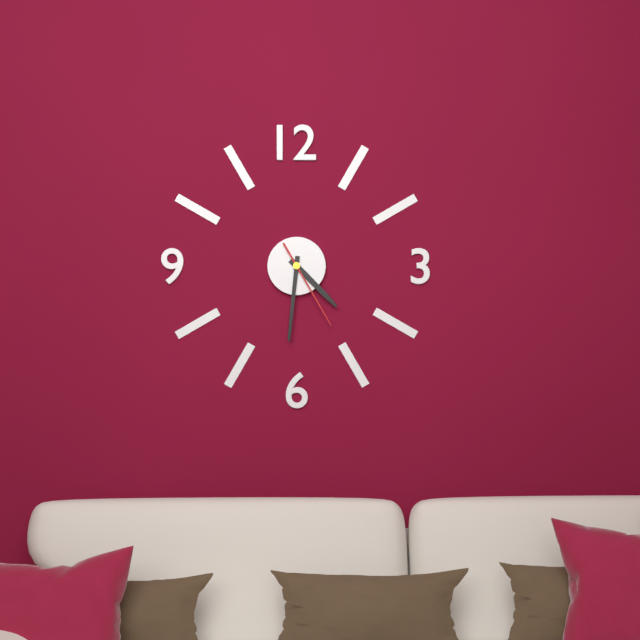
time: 4:31:25
